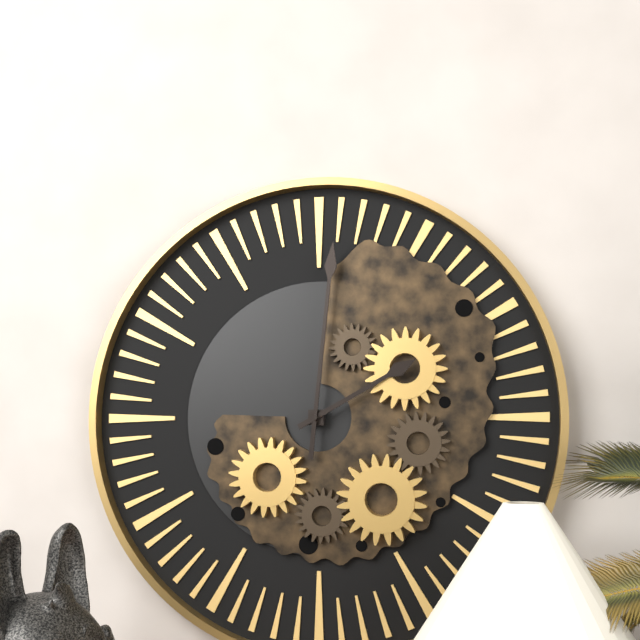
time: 2:01
